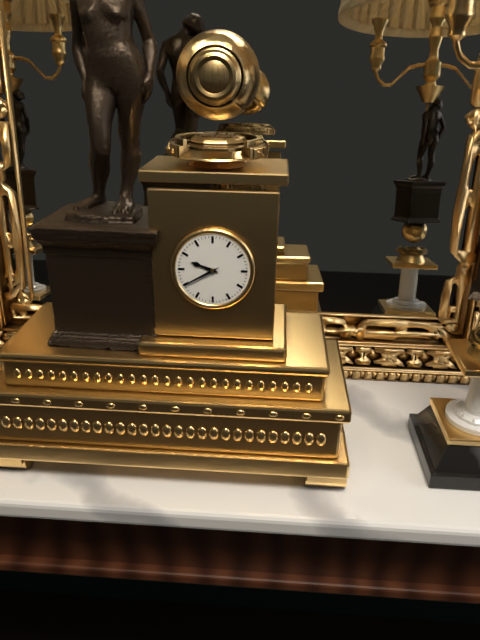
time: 9:40
